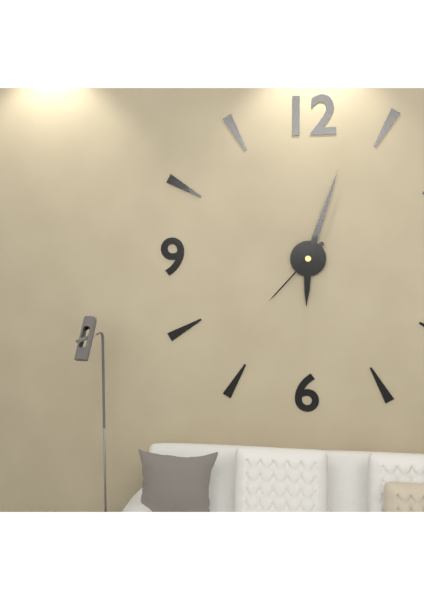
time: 6:03:37
